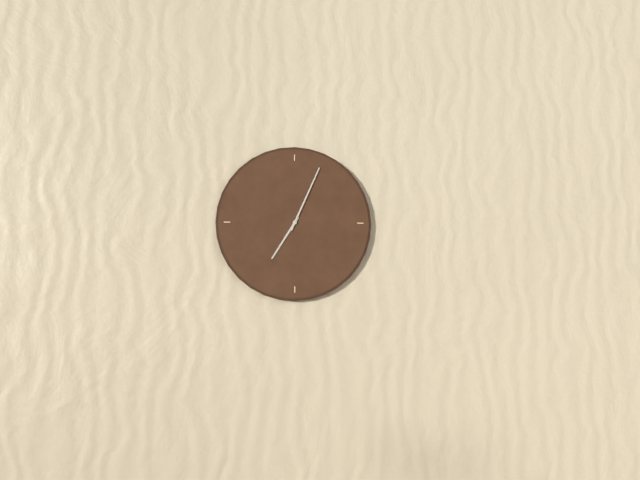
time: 7:04
